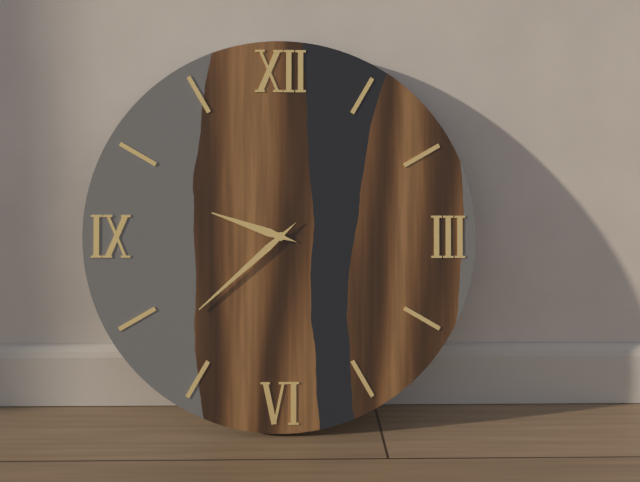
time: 9:38
